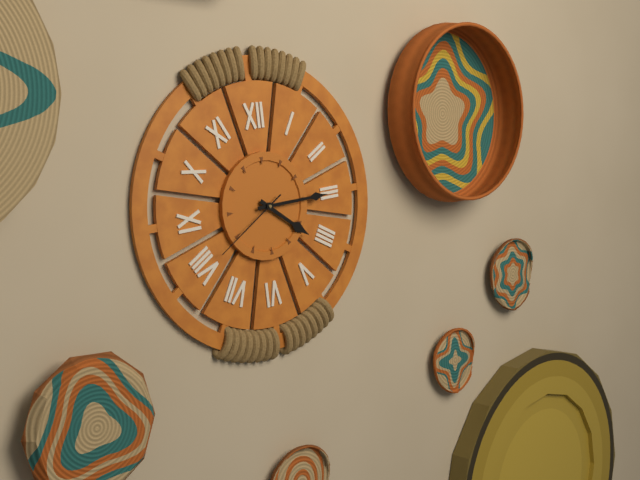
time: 4:15:40
